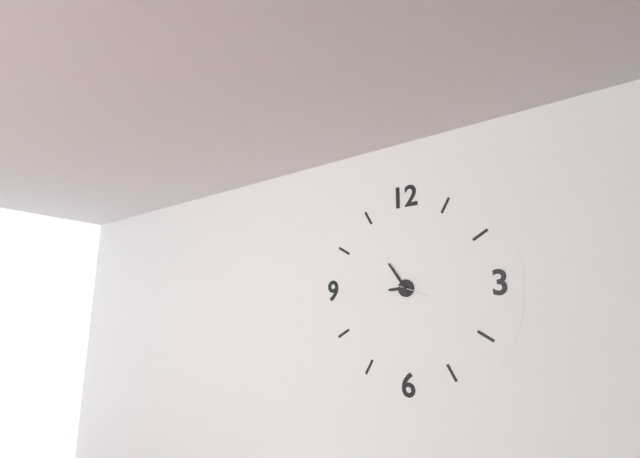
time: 8:54
